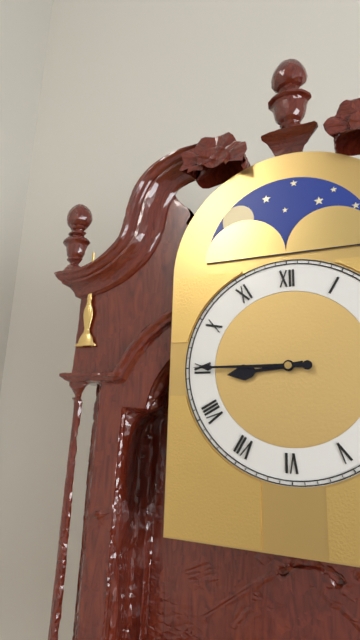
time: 8:45
